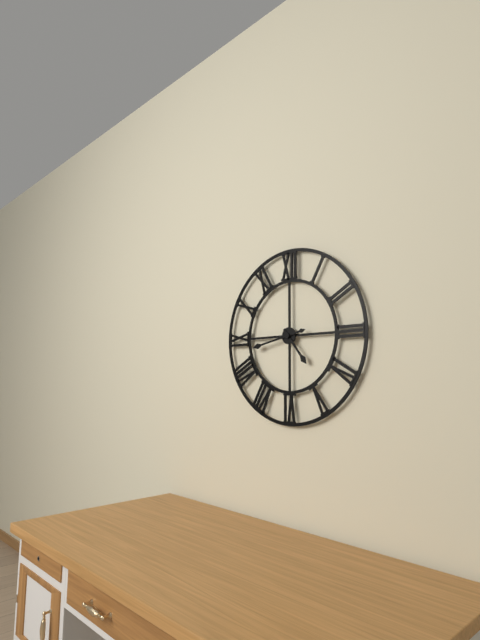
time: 4:43
